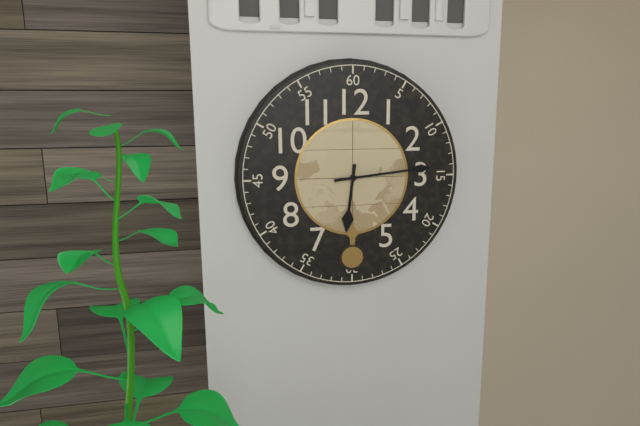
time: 6:14
